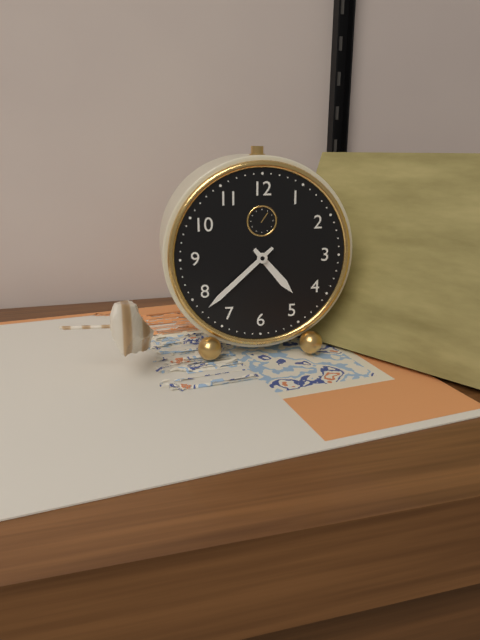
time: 4:38
